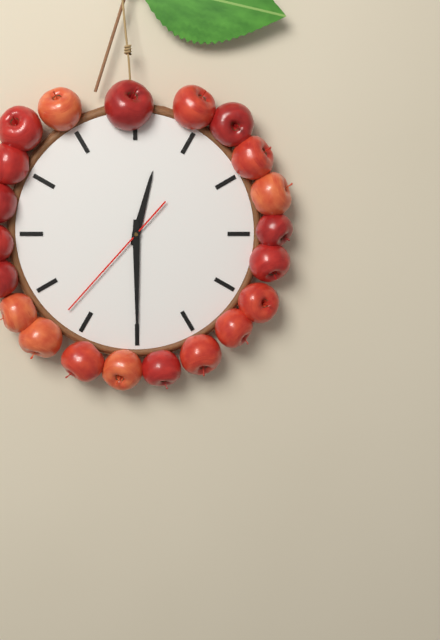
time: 12:30:37
